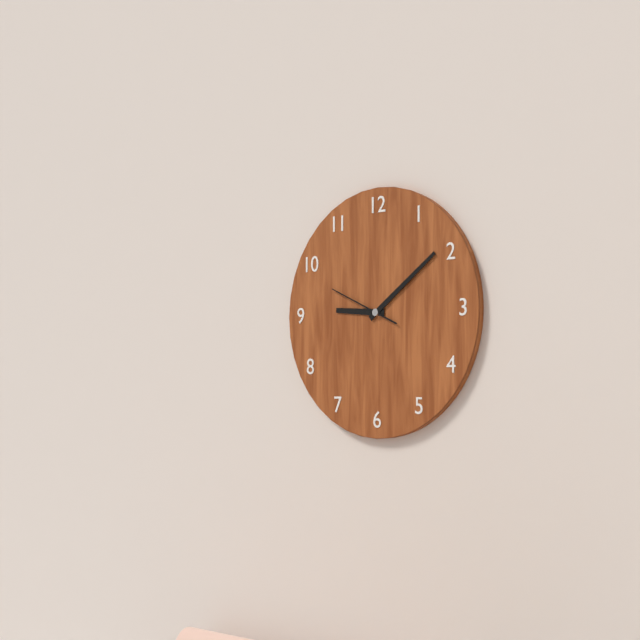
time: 9:09:49
